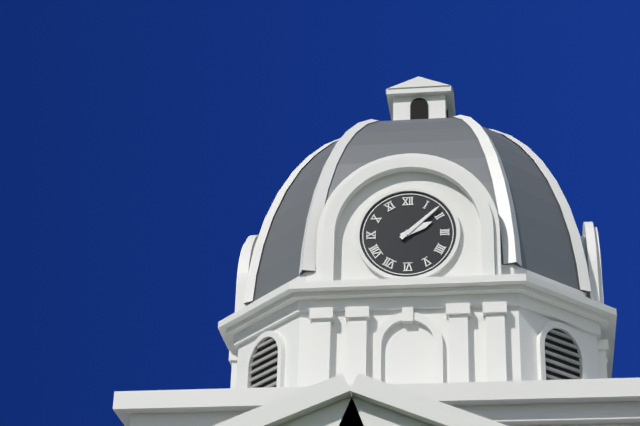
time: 2:08
